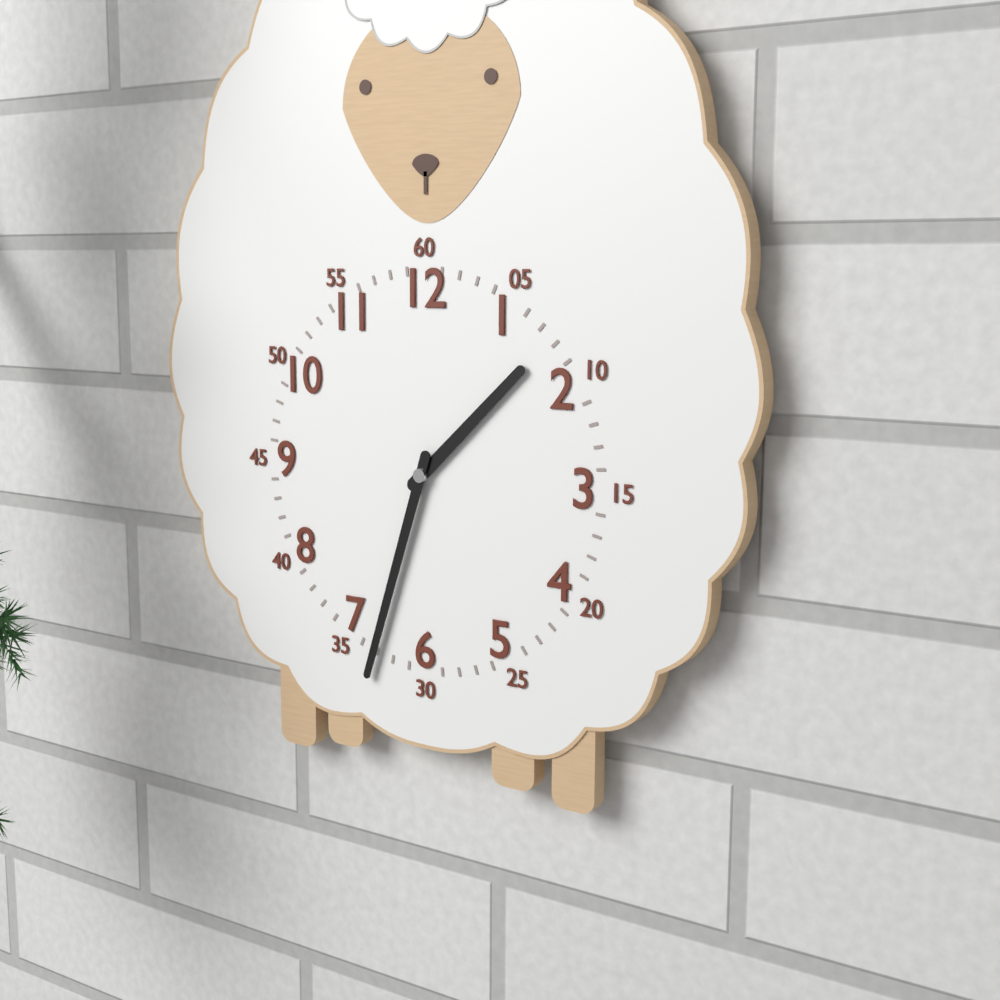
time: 1:33
